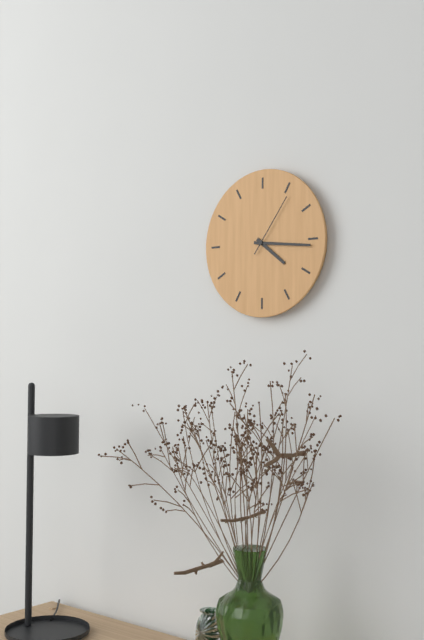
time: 4:16:06
